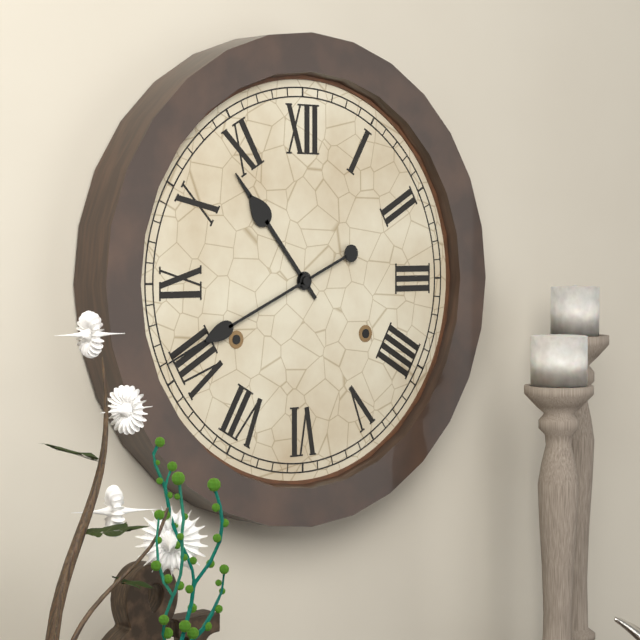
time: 10:41
